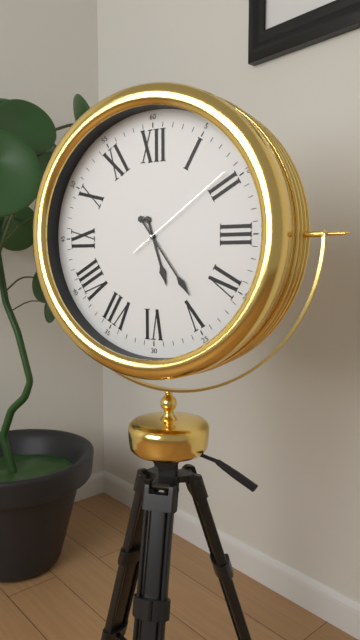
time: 5:24:09
